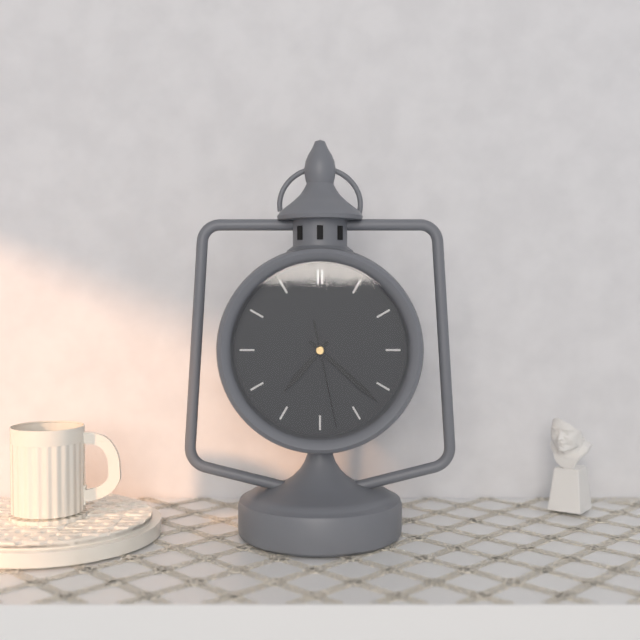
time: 7:22:28
